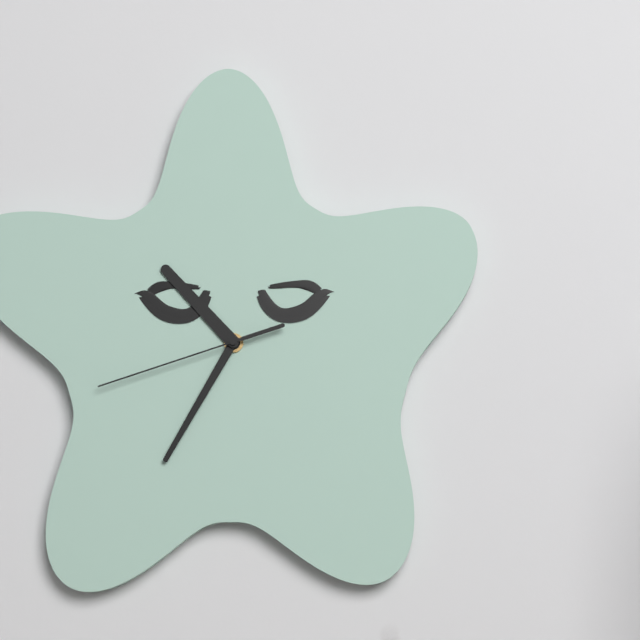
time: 10:35:42
